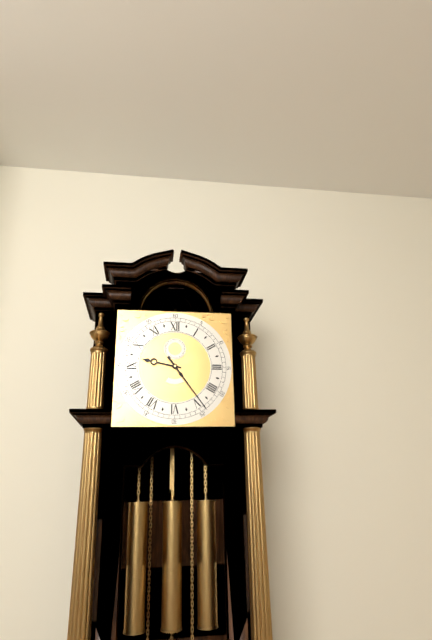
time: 9:24
